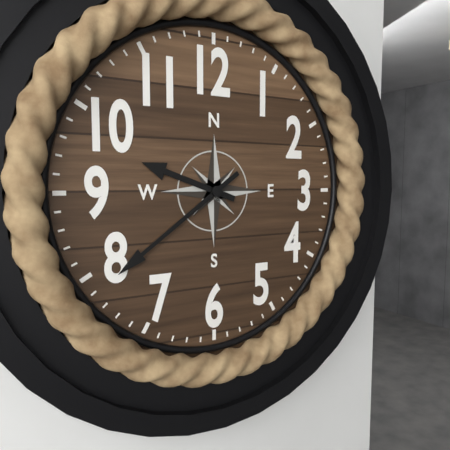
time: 9:39
